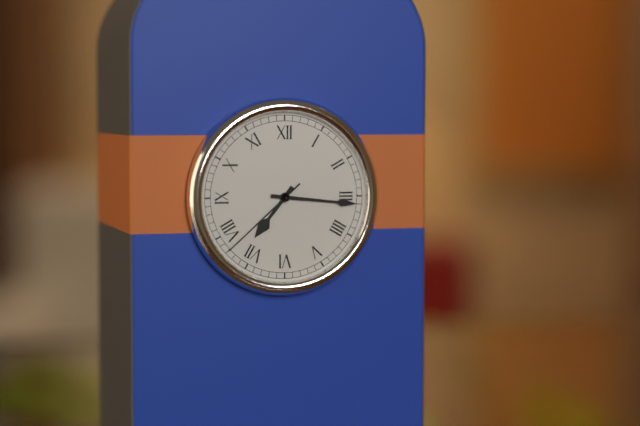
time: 7:16:38
